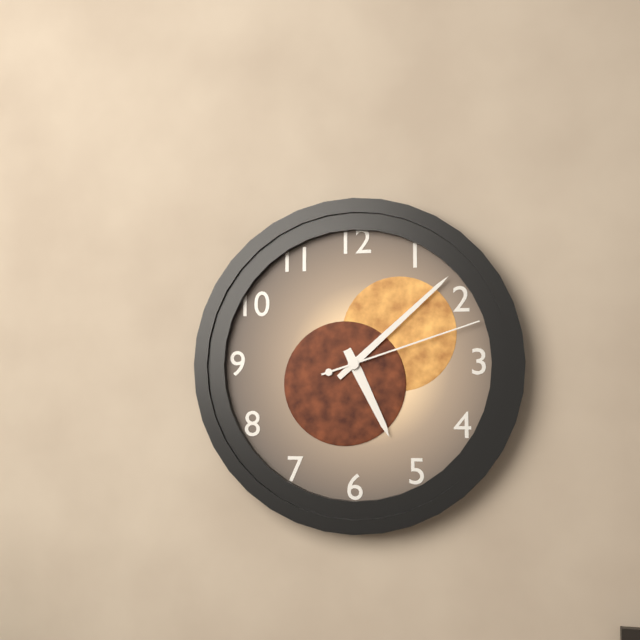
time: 5:08:12
